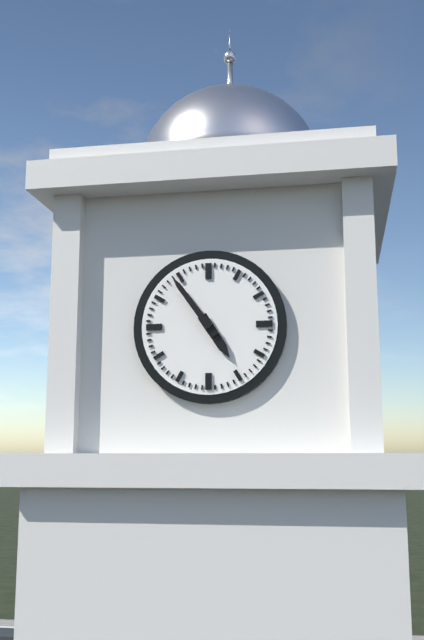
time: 4:54
